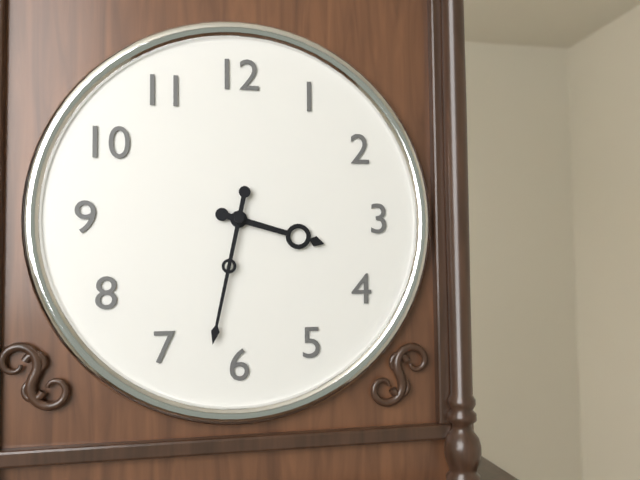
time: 3:32
